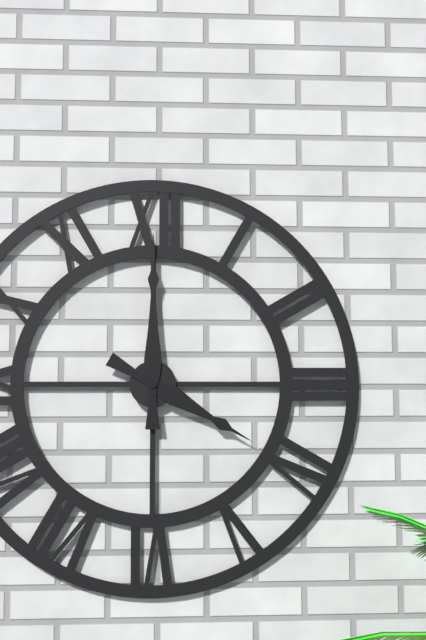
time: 4:00
